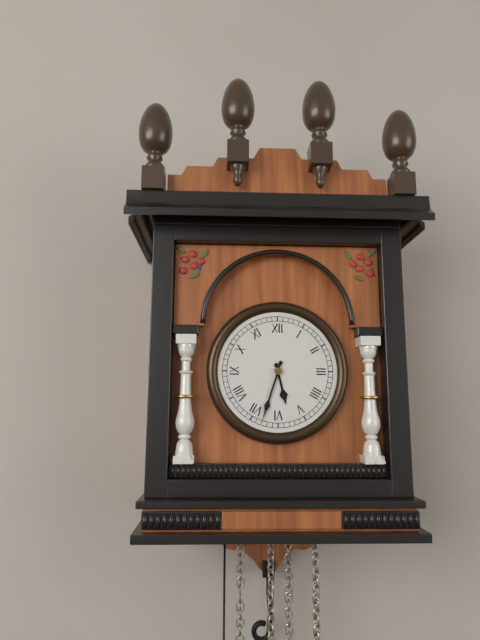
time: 5:33
